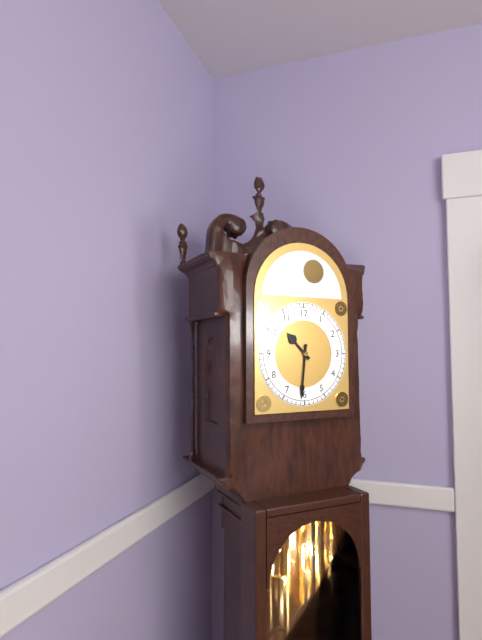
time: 10:31
